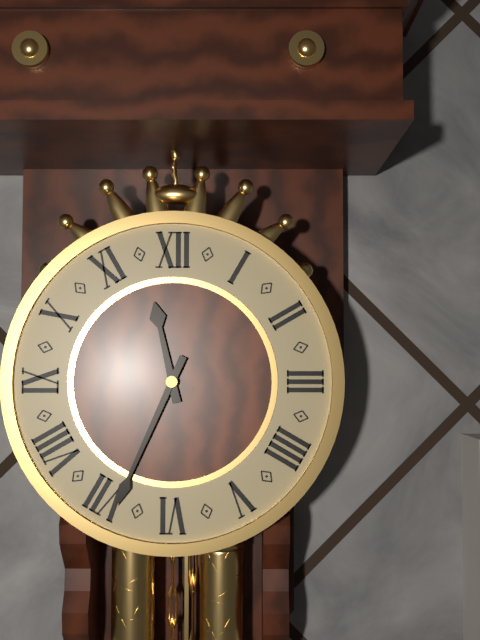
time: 11:34
